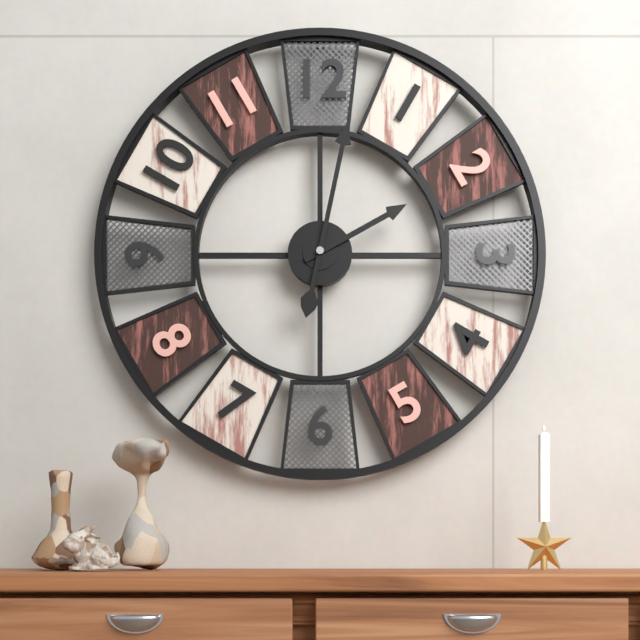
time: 2:02
